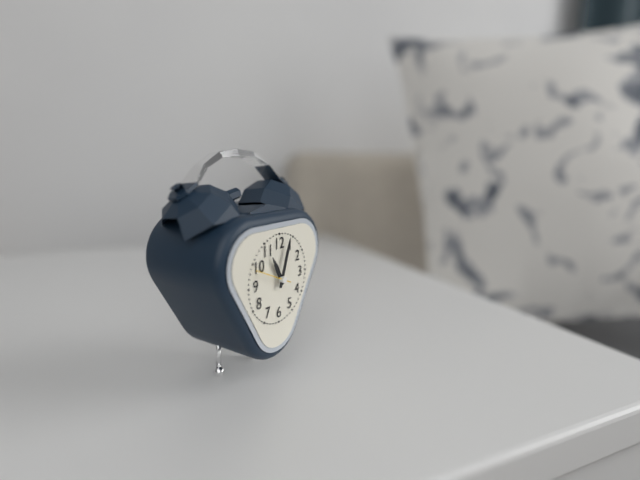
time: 11:03
